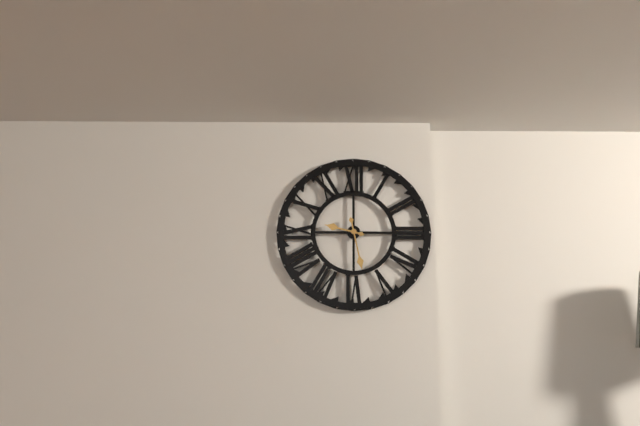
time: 9:28
